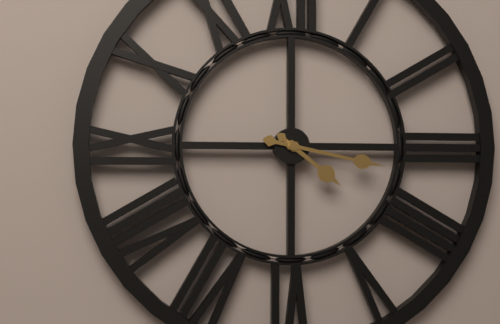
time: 4:17
